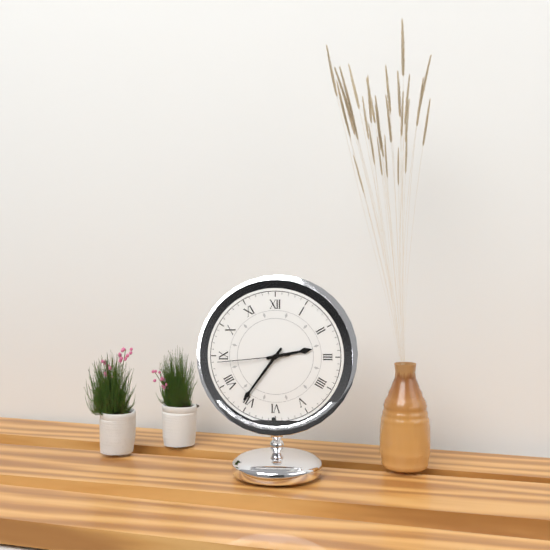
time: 2:36:44
